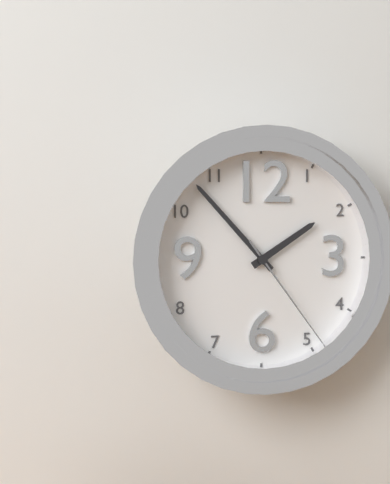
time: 1:53:24
